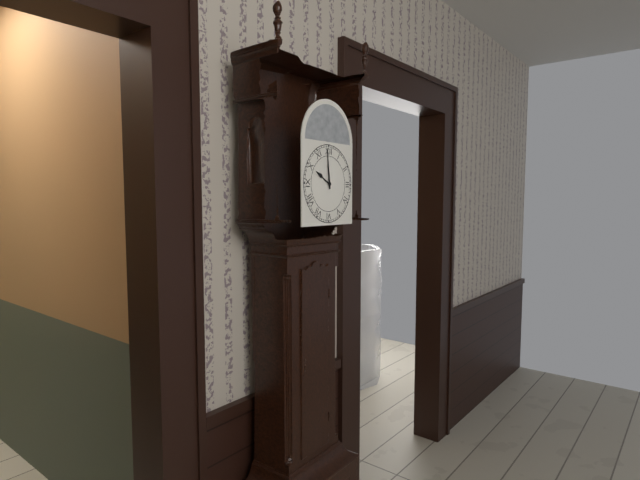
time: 9:59
